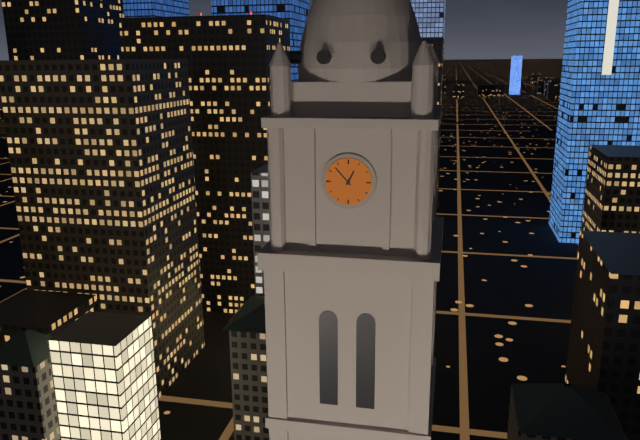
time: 12:53
